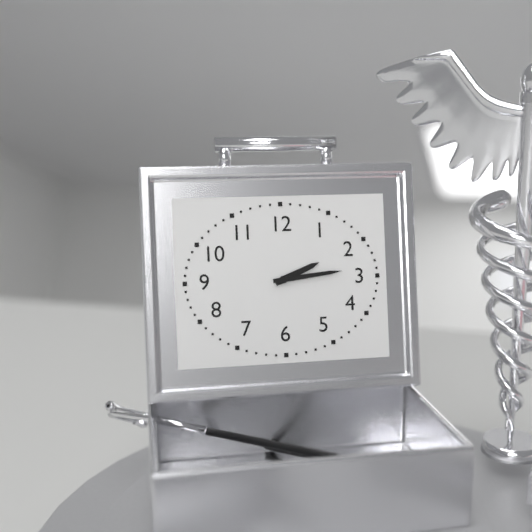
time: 2:14
